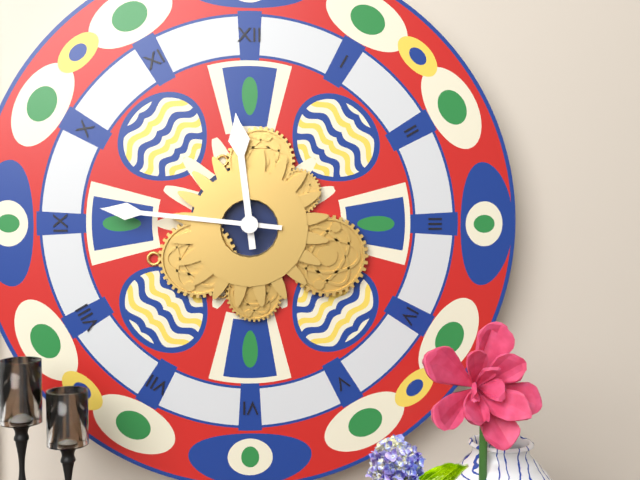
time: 11:46
